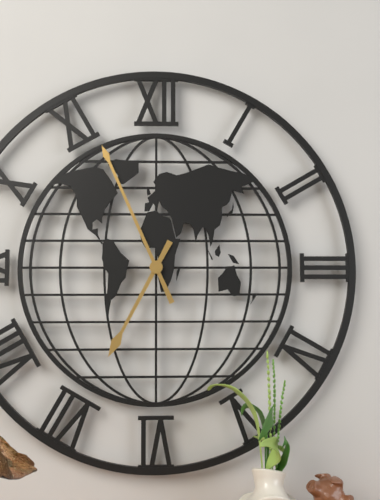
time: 6:56
